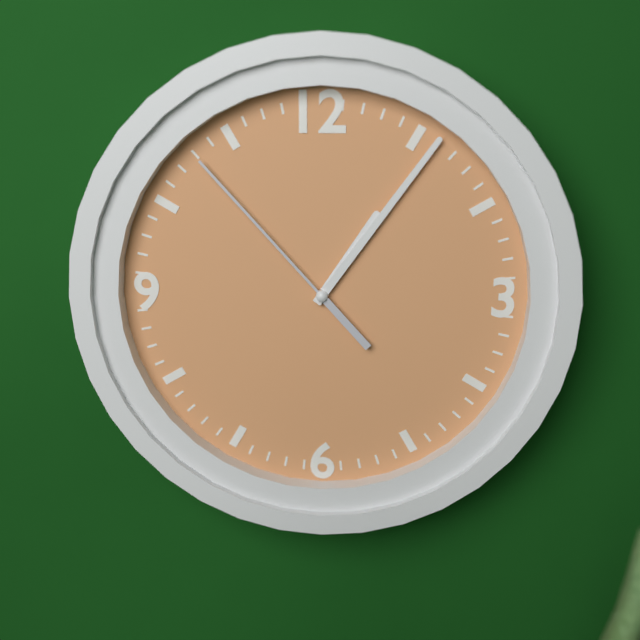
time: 1:06:53
